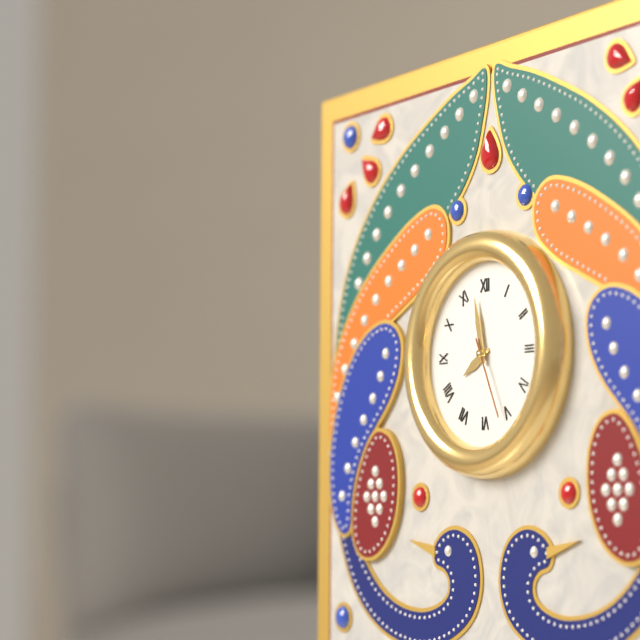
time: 7:58:26
